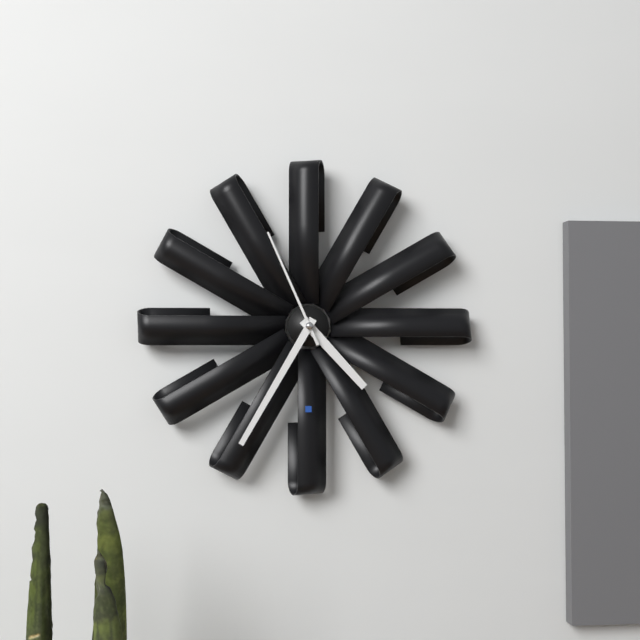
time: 4:35:56
